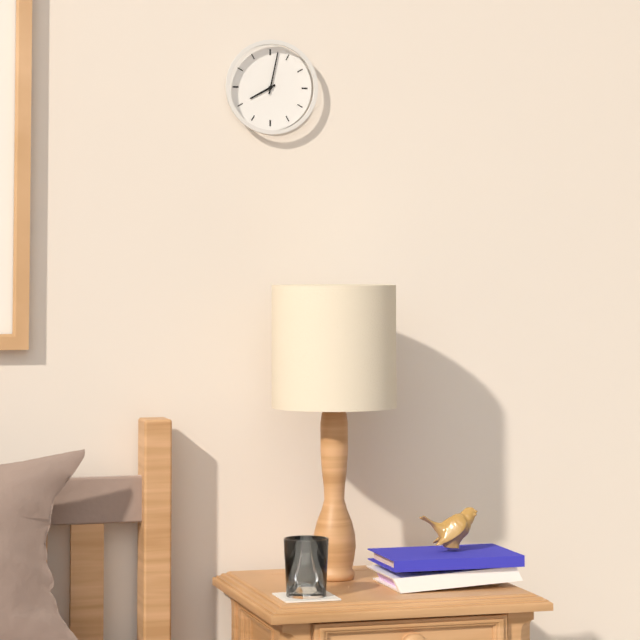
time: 8:02
